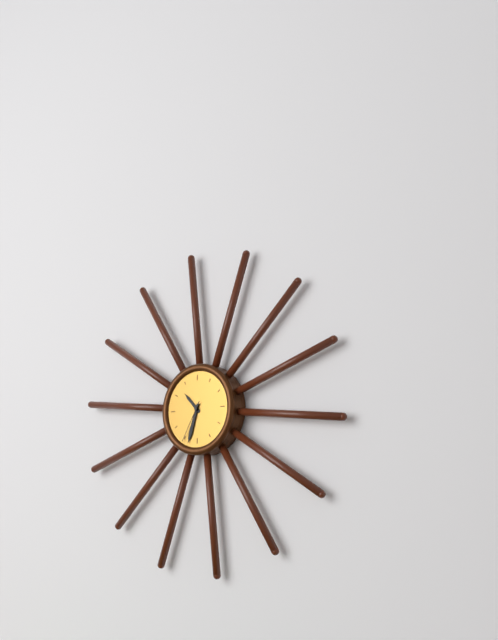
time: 10:33
